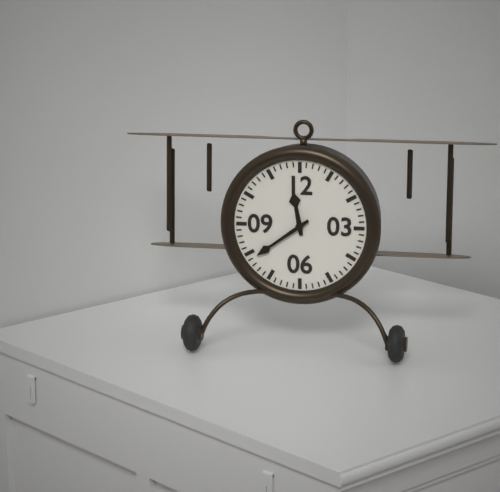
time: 11:39
